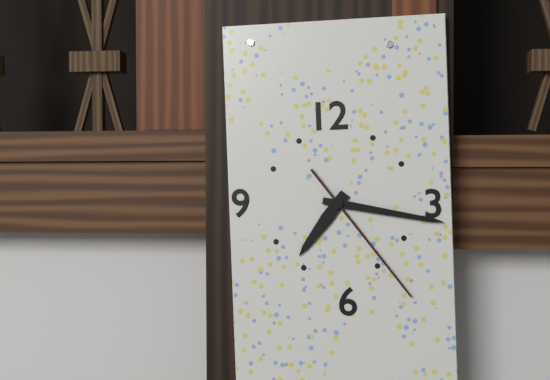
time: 7:17:24
